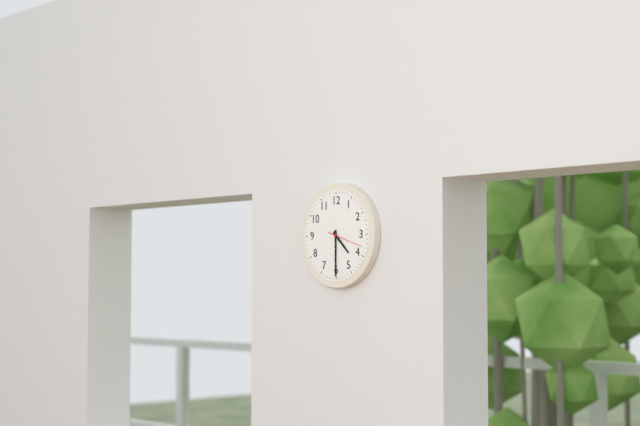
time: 4:30
